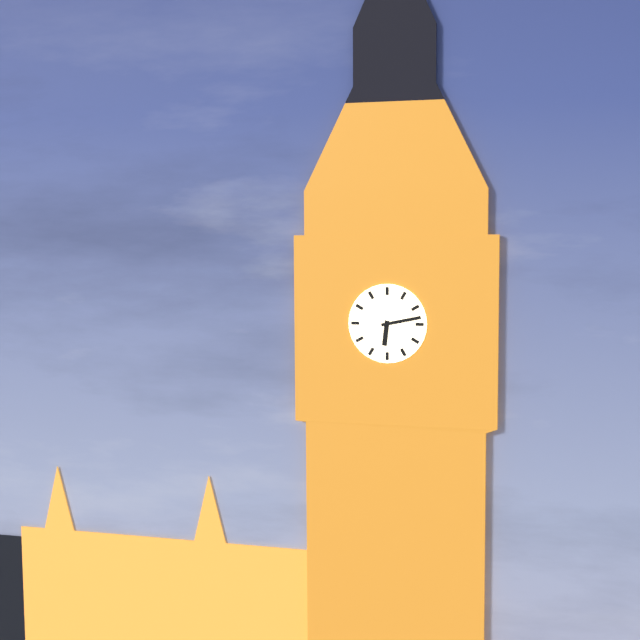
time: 6:13
